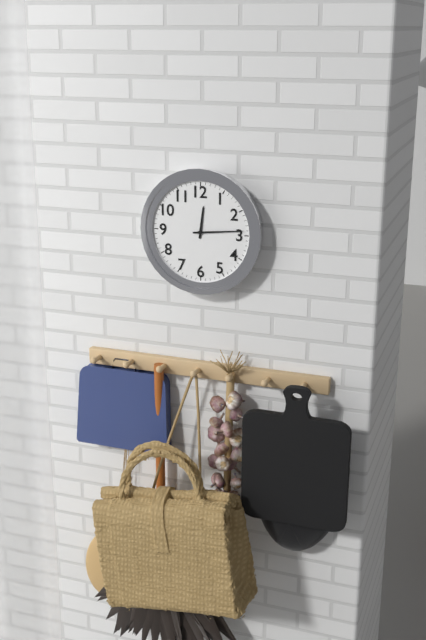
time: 12:14
